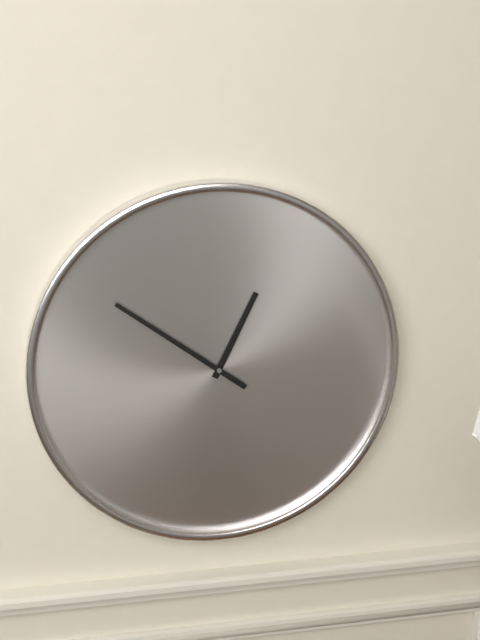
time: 12:51
